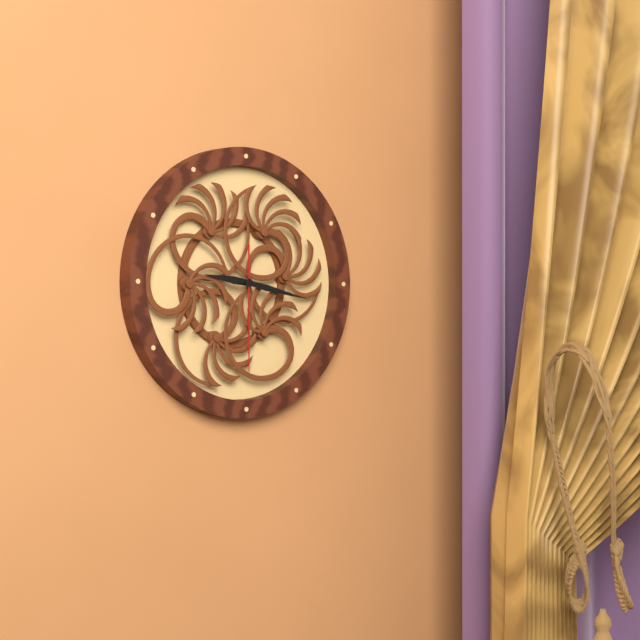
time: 9:17:30
